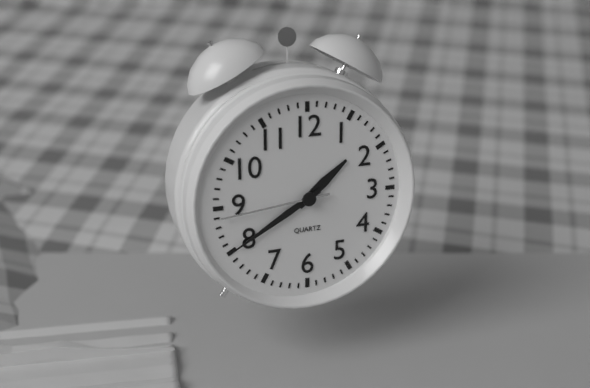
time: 1:40:44
